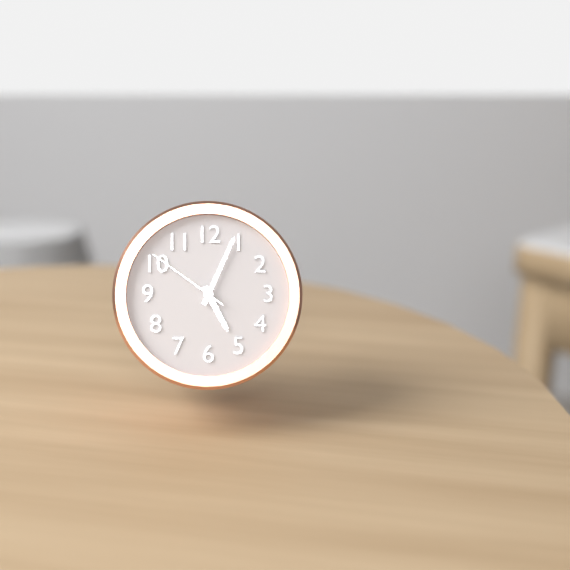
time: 5:04:51
